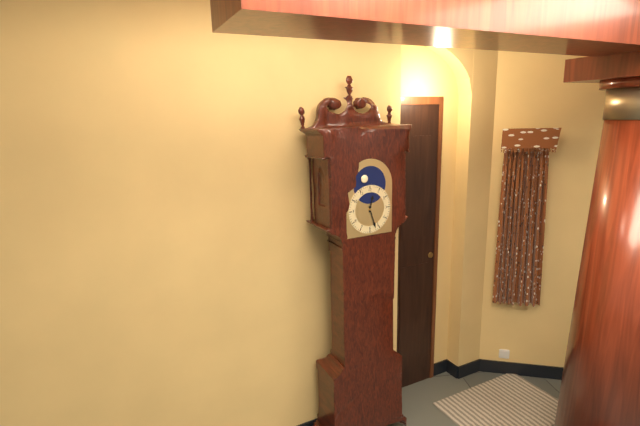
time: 12:27
